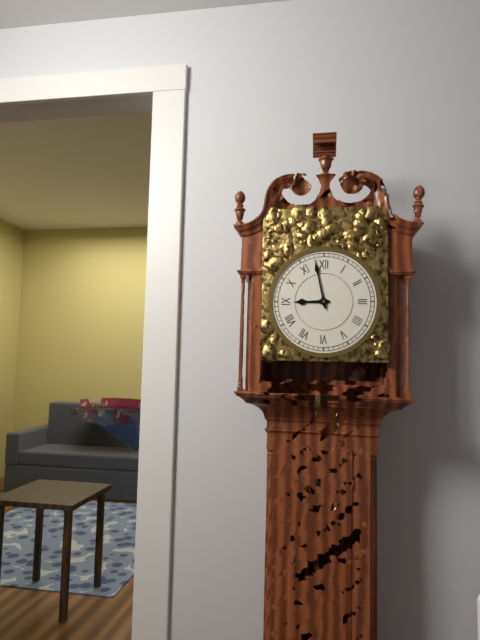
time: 8:58
